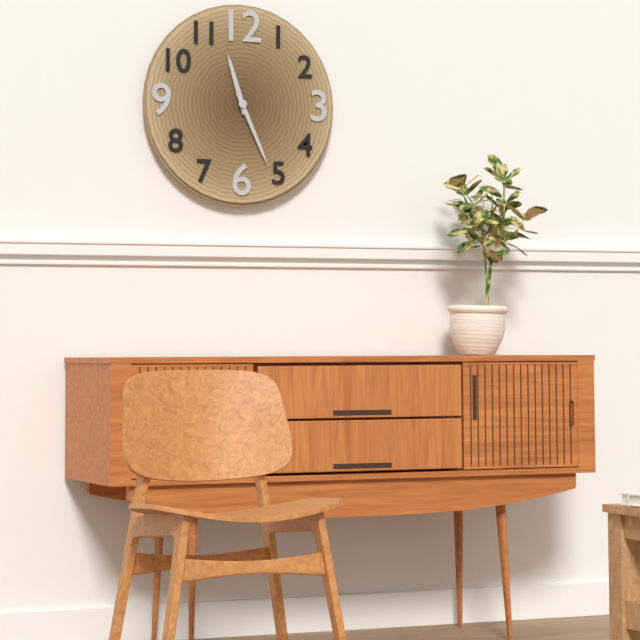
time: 11:26
